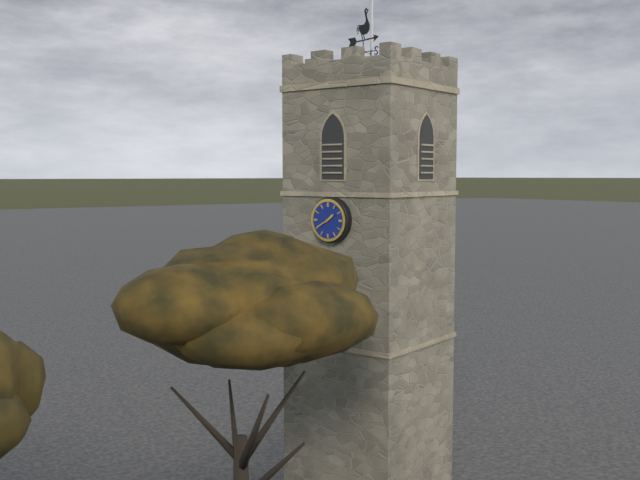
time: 1:40
